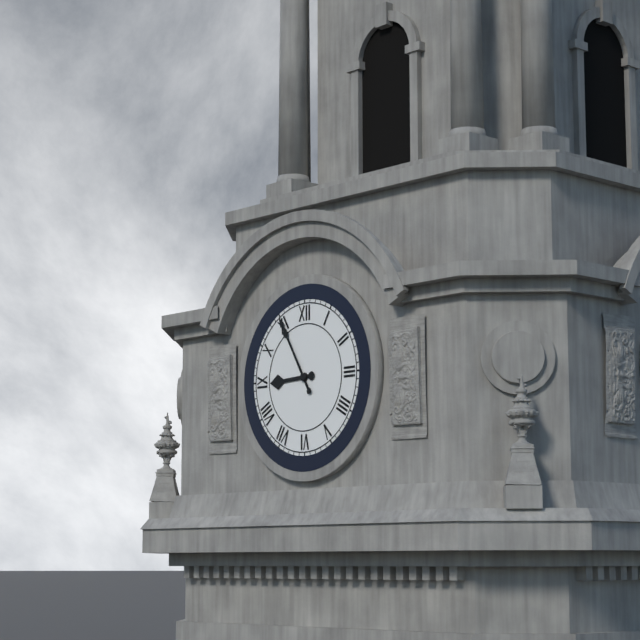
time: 8:55
